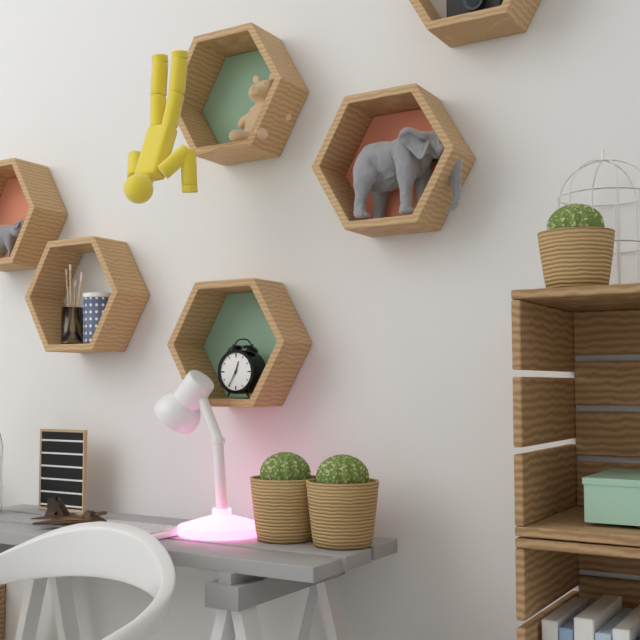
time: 12:35
